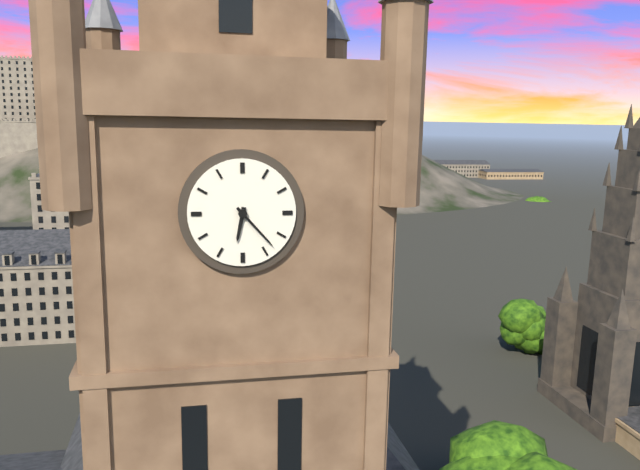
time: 6:23
